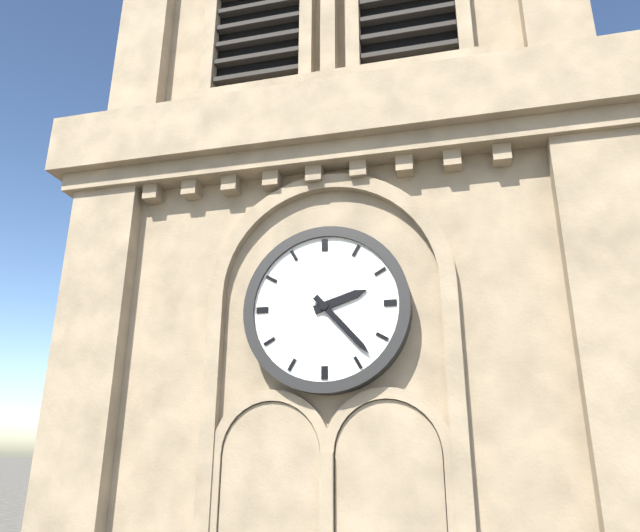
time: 2:23
